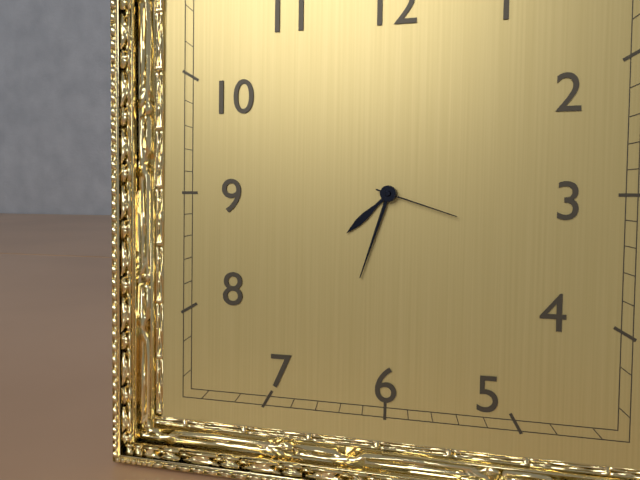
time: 7:33:18
